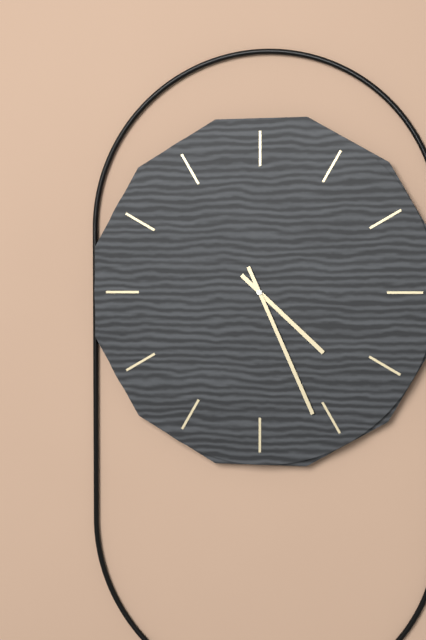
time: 4:26
